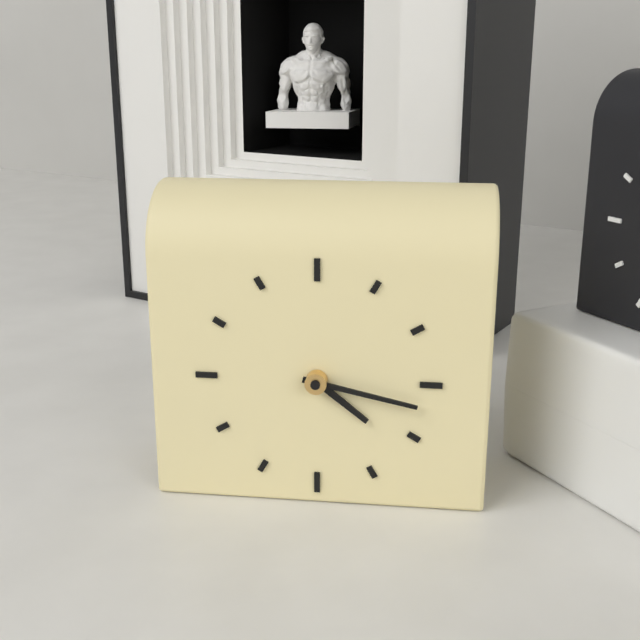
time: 4:17
